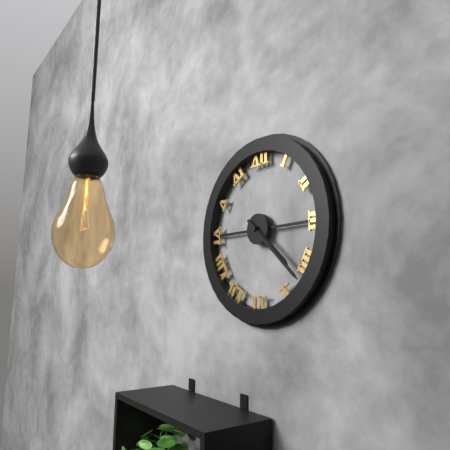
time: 4:22
